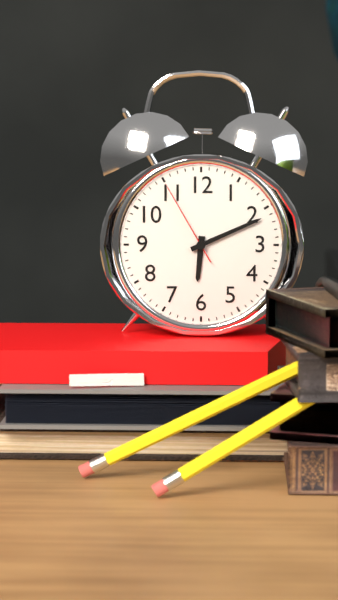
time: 6:11:55
